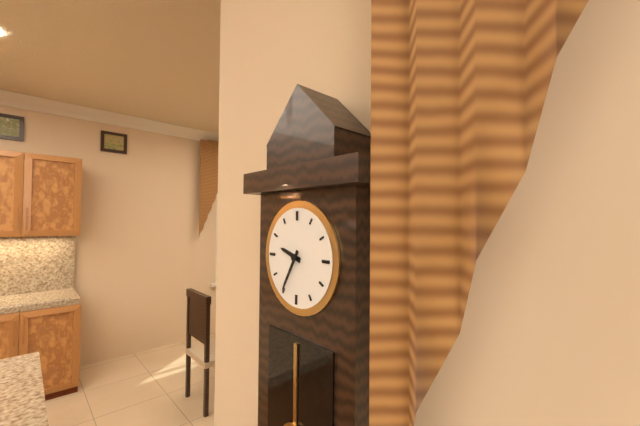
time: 9:35
